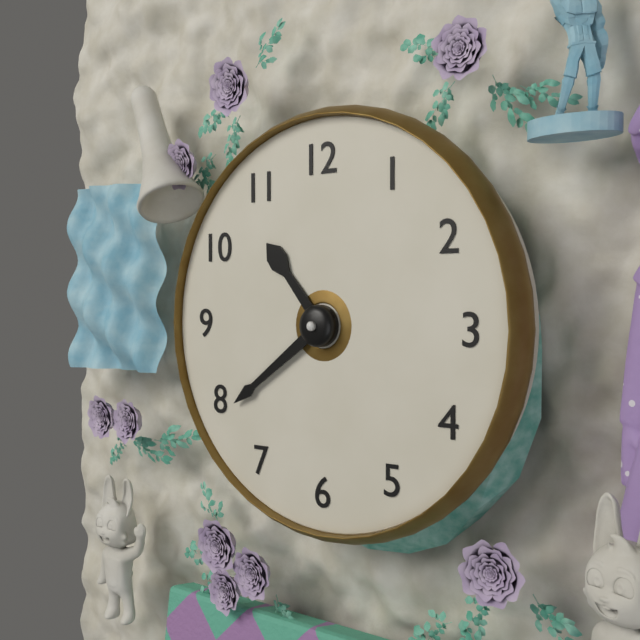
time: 10:39
